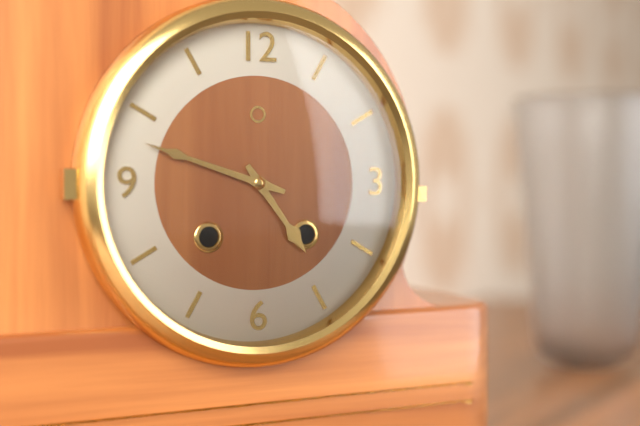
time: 4:48
